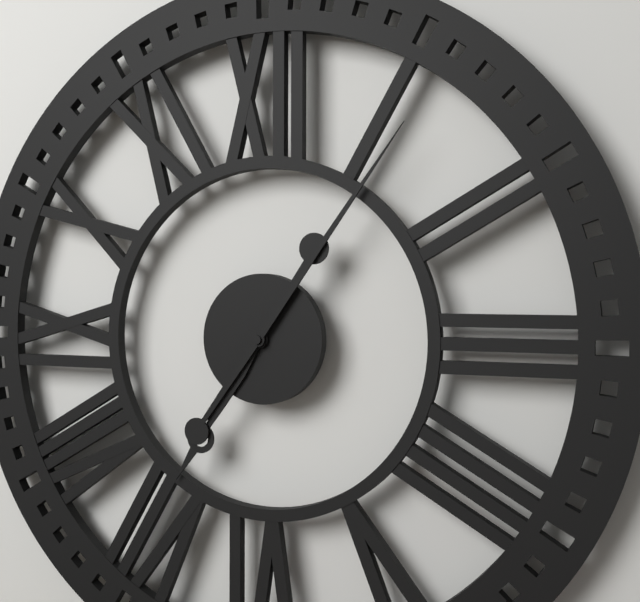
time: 7:06
